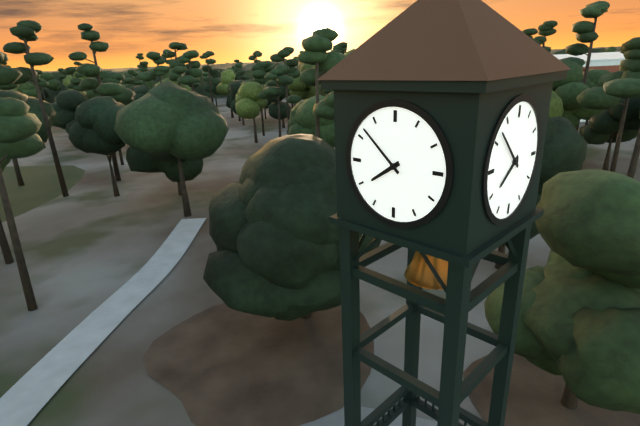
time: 7:52
